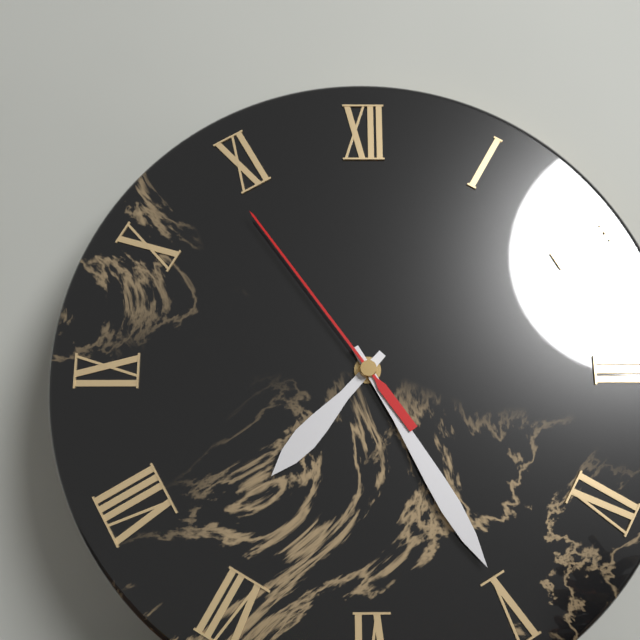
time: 7:25:54
